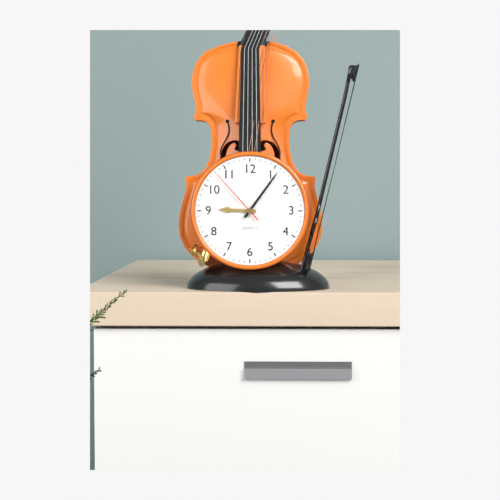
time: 9:06:53
